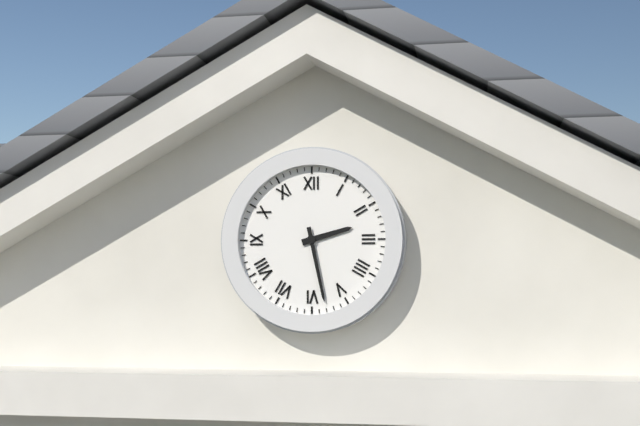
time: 2:28
